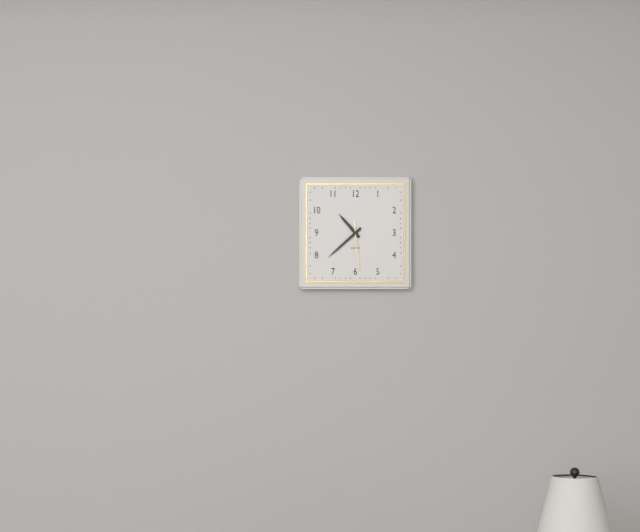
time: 10:38
